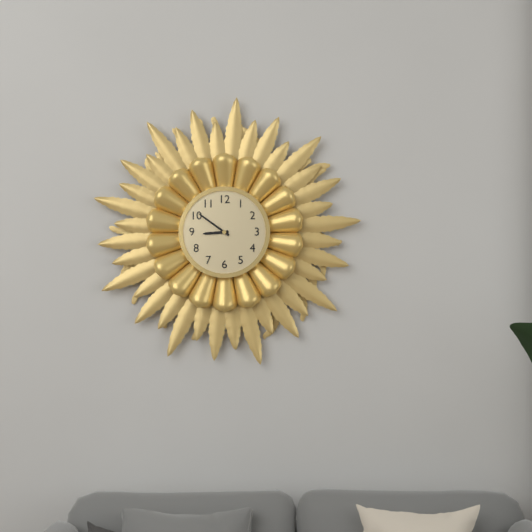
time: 8:51
